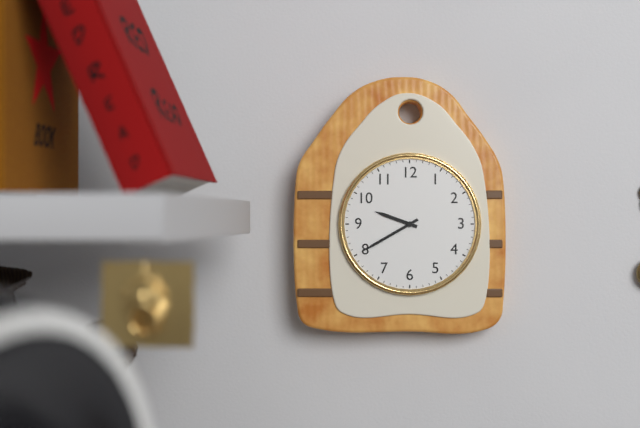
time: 9:40
